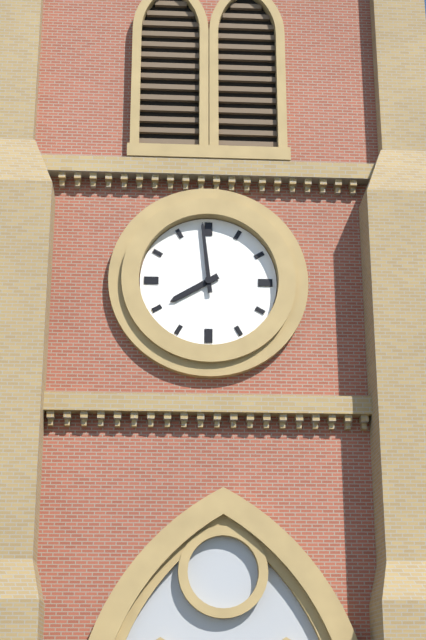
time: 7:59
